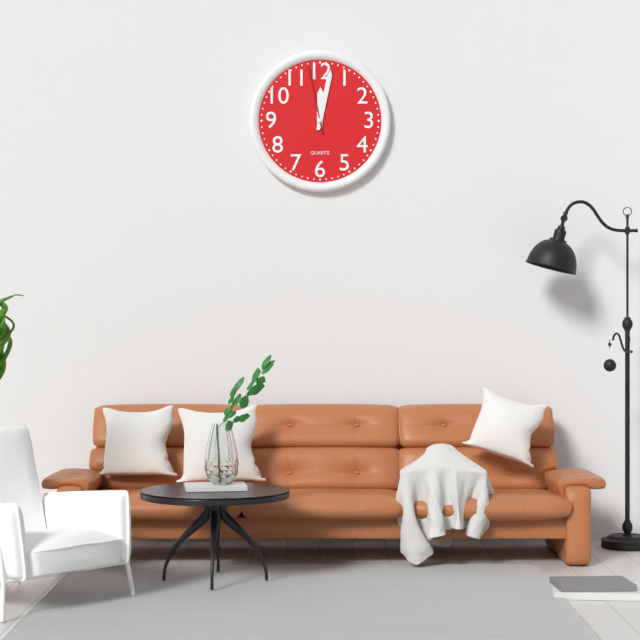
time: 12:02:58
